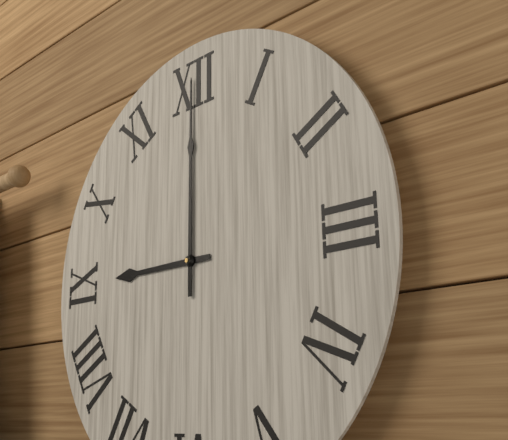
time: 9:00
